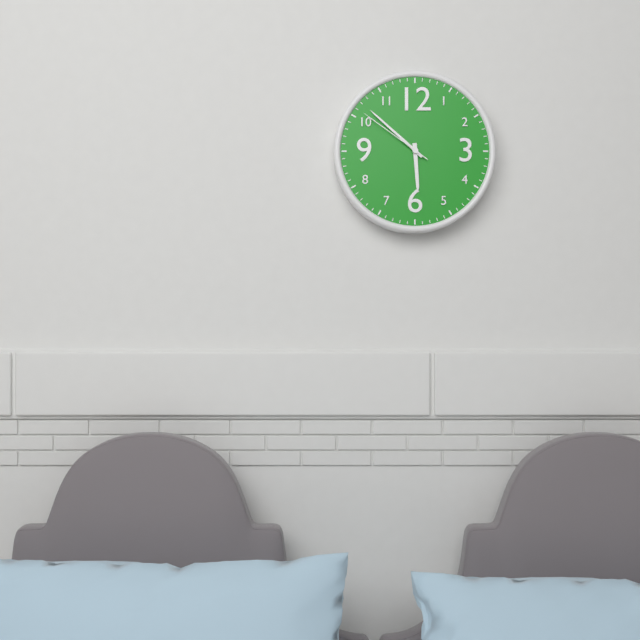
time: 5:52:51
